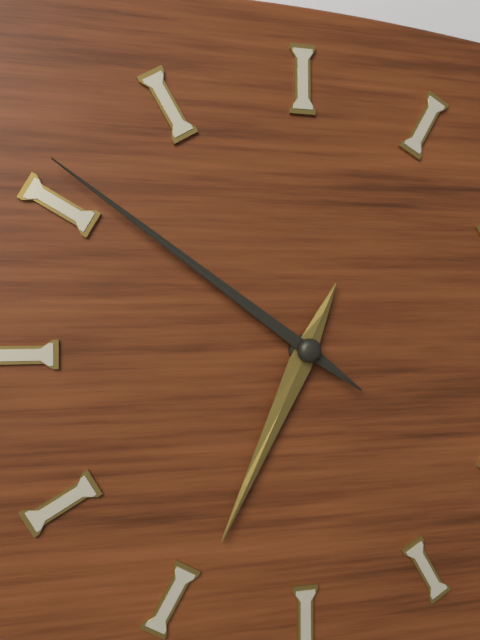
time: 6:51
